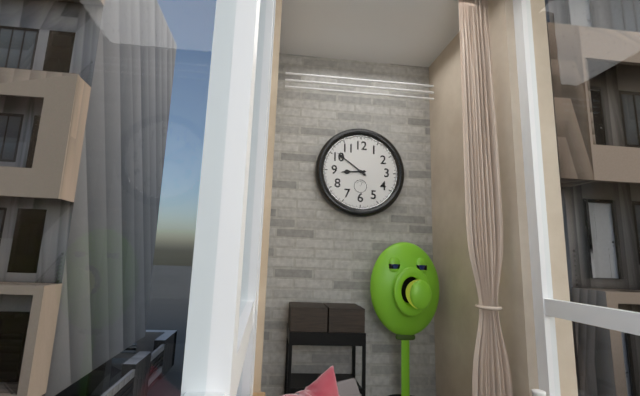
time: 8:51
